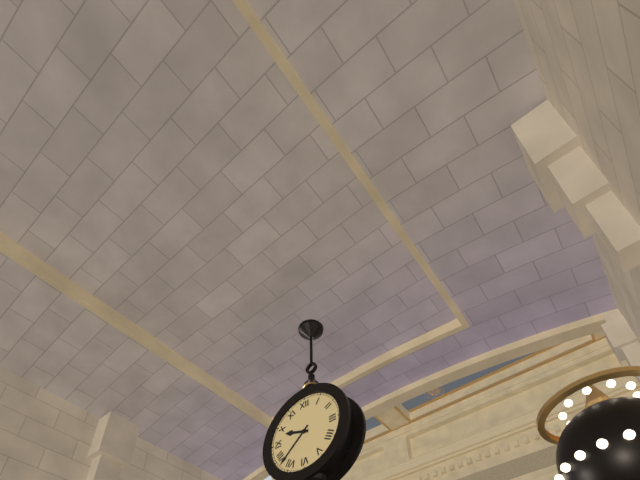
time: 9:38
